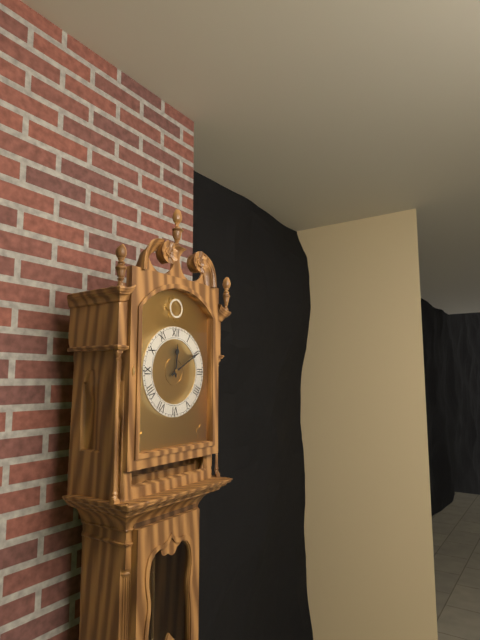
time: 12:10
